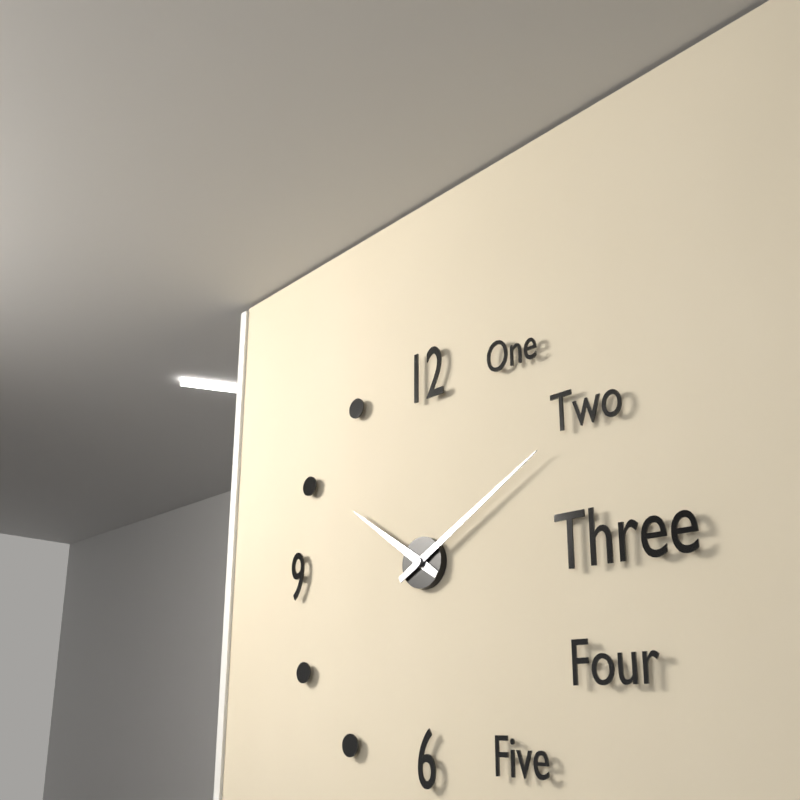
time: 10:10
